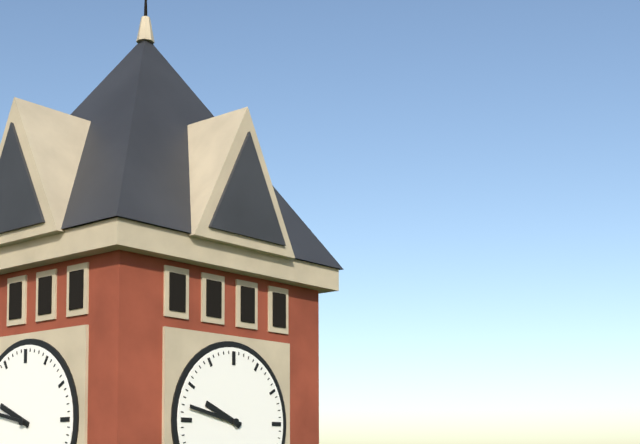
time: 9:47
